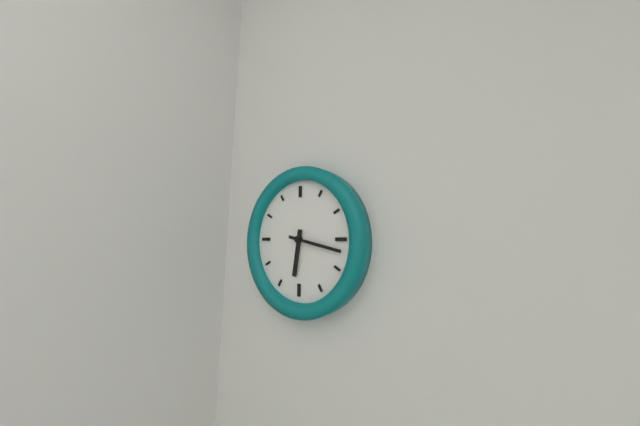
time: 6:17
